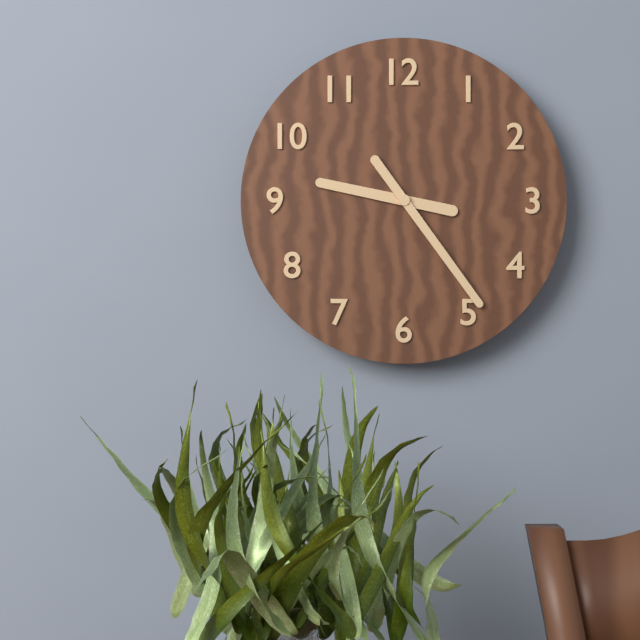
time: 9:24
